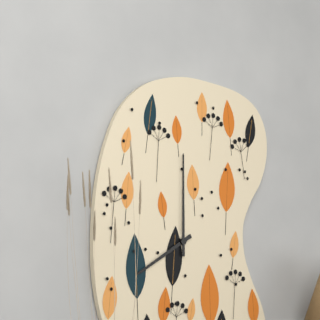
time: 8:00
